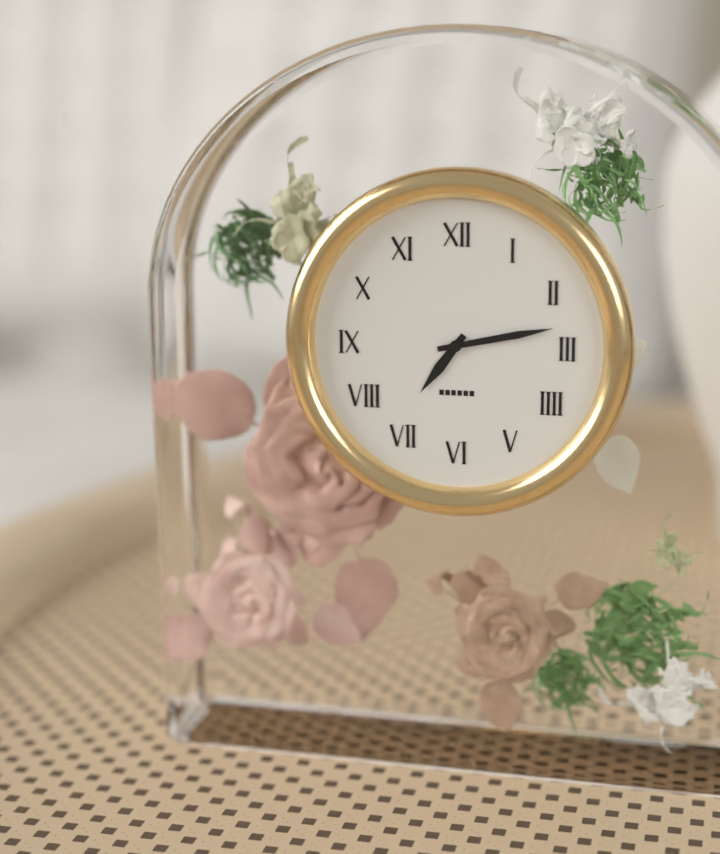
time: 7:13
